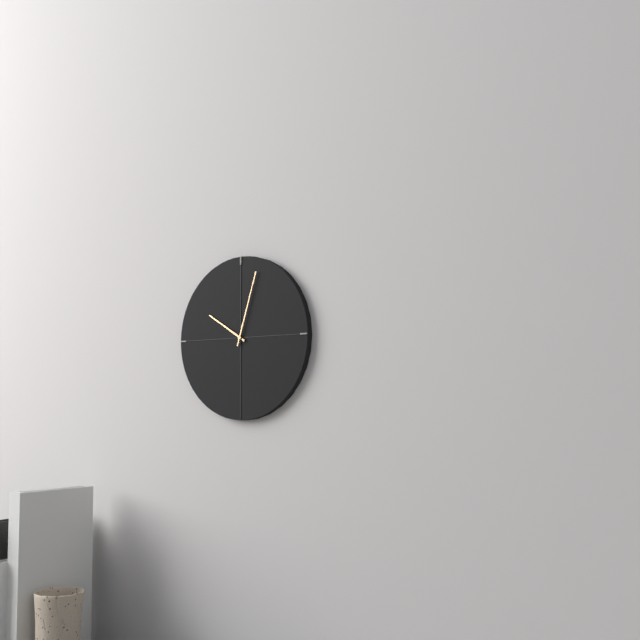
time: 10:03
